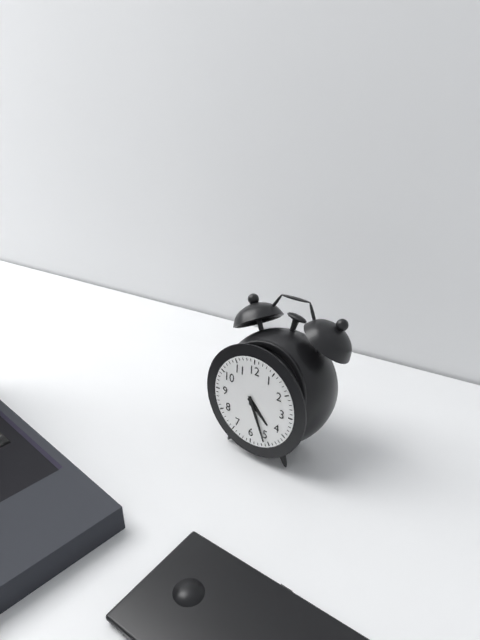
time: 4:26
